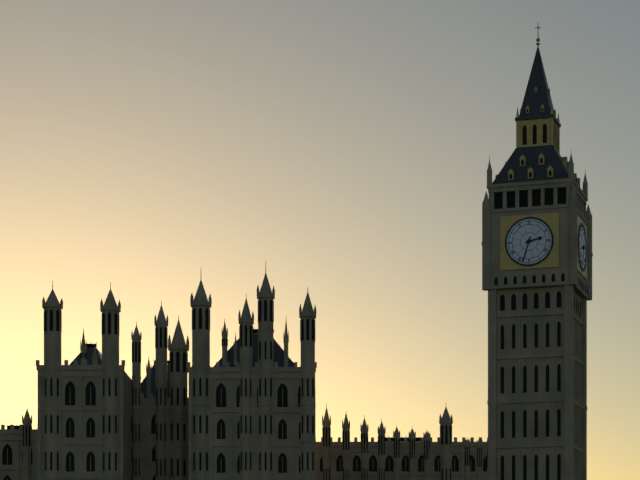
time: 2:33
